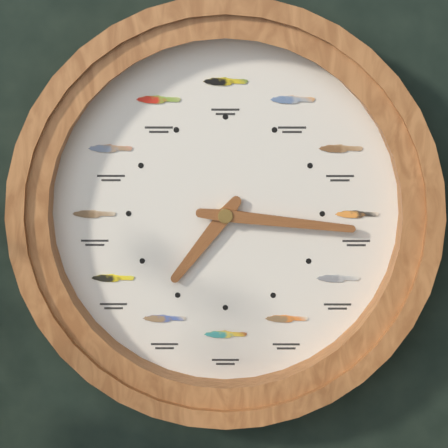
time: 7:16
